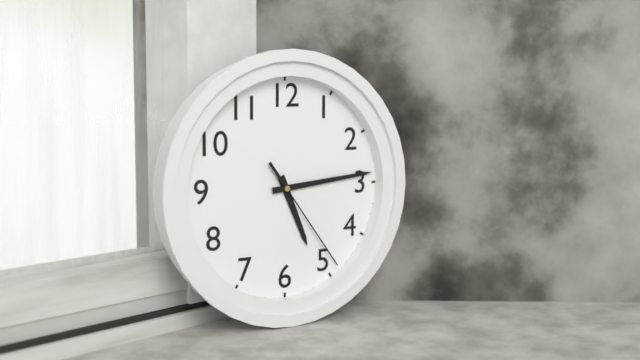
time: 5:14:24
